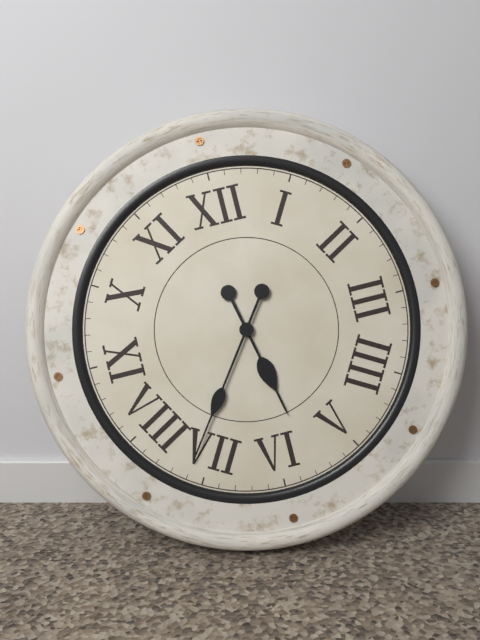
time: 5:36
